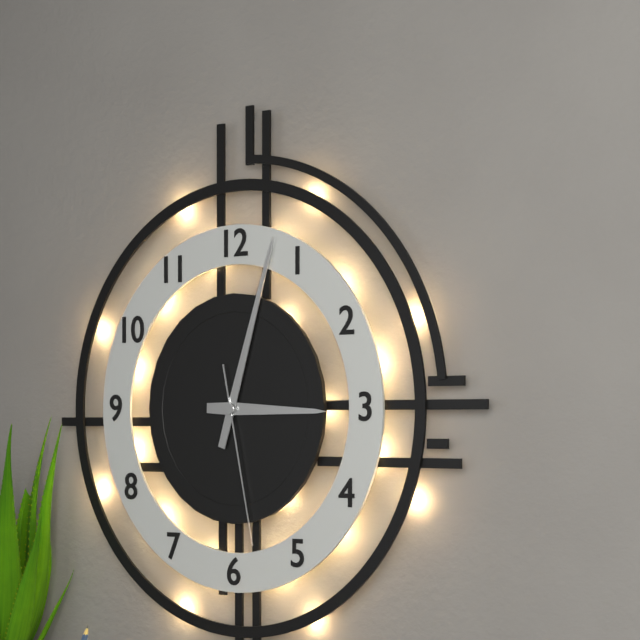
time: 3:03:28
